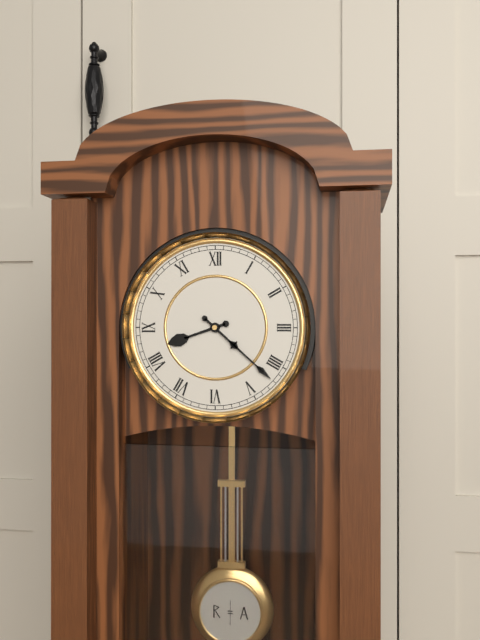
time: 8:22
